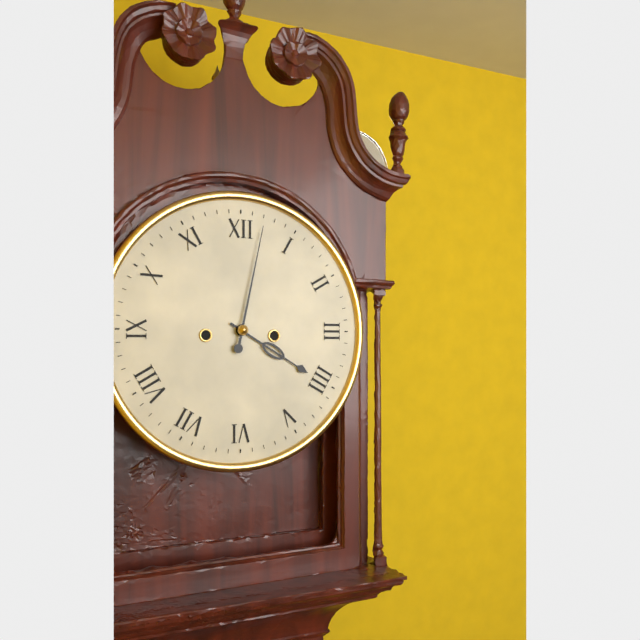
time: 4:02
